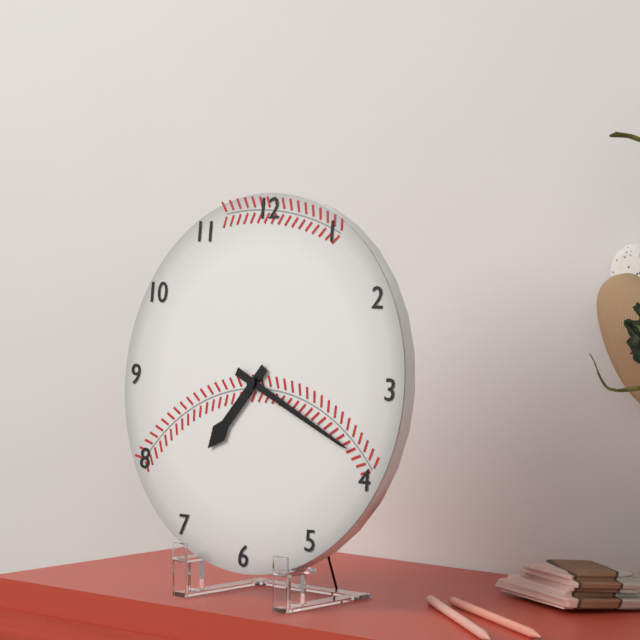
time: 7:19
